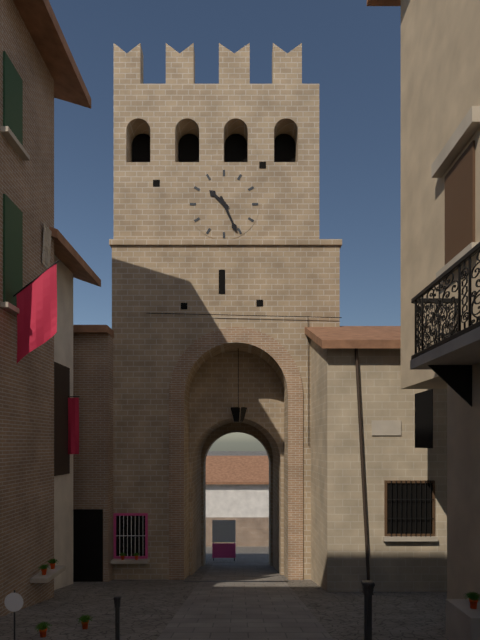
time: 10:26
